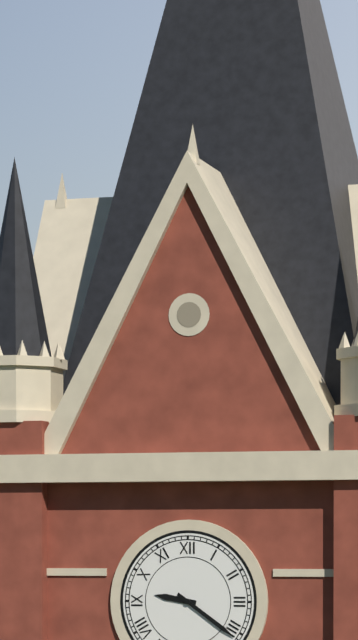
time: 9:21
